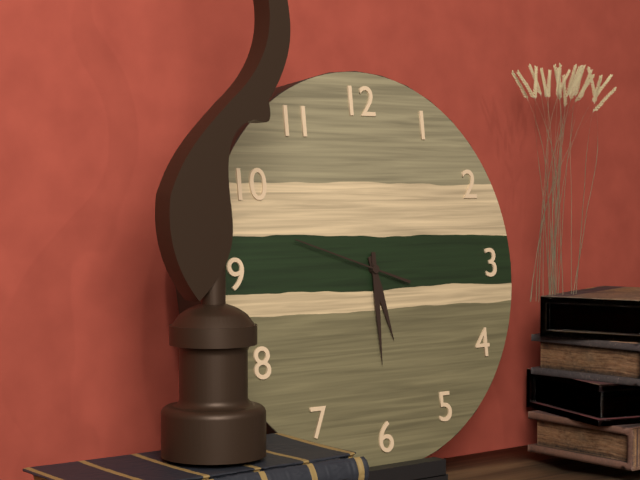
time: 5:30:48
